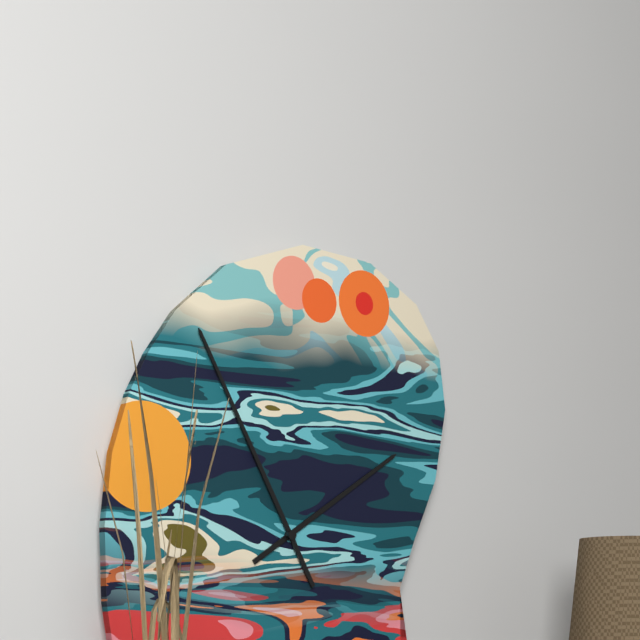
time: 1:55
